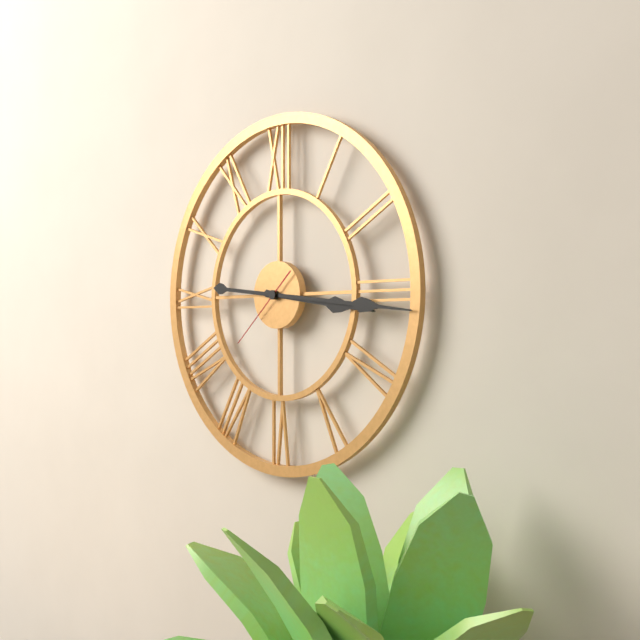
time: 3:16:38
